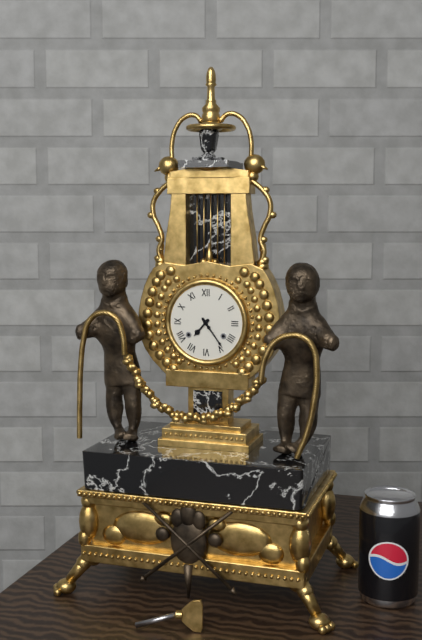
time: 7:24
